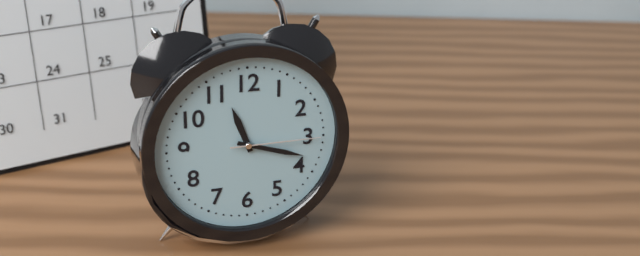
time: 11:18:15
